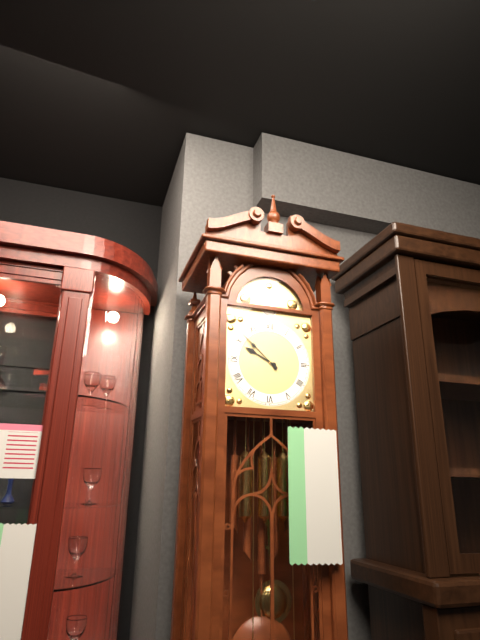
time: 9:52
